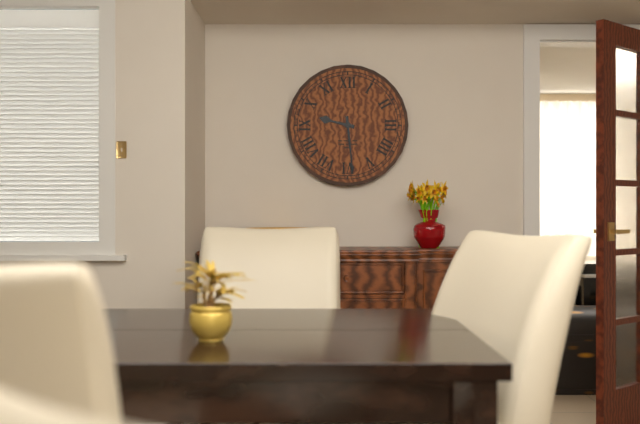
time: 9:29
